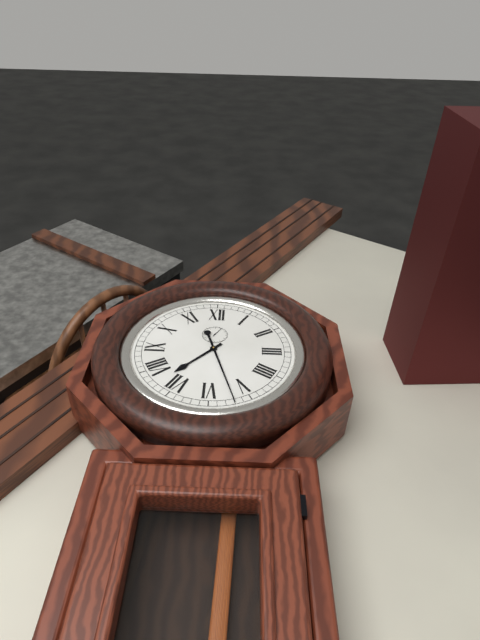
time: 7:27
